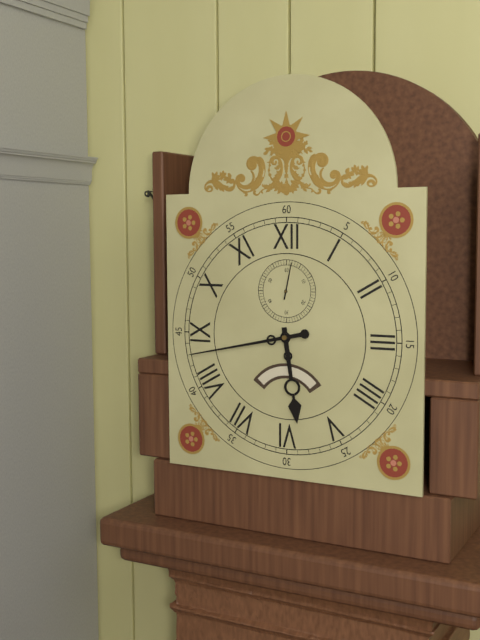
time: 5:43
